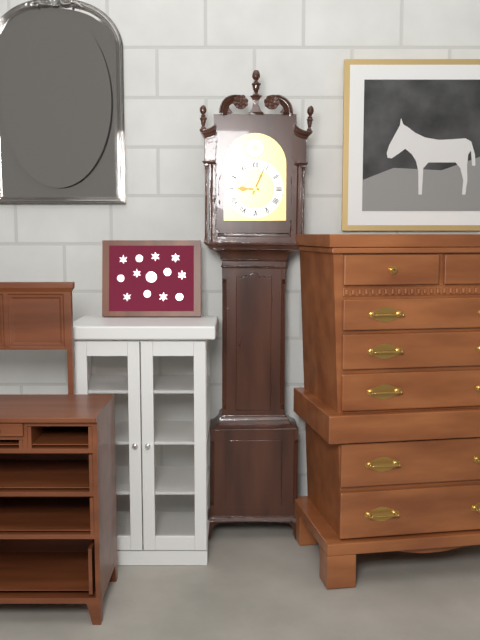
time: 9:04
